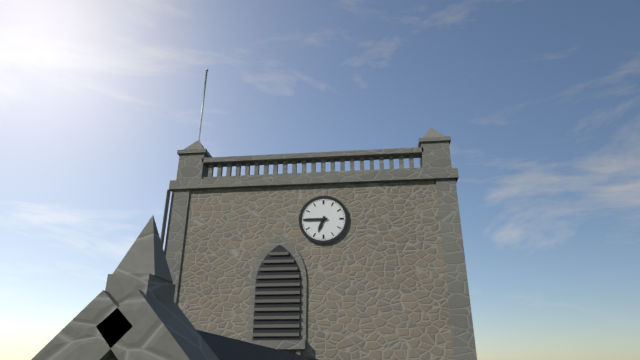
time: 6:45
